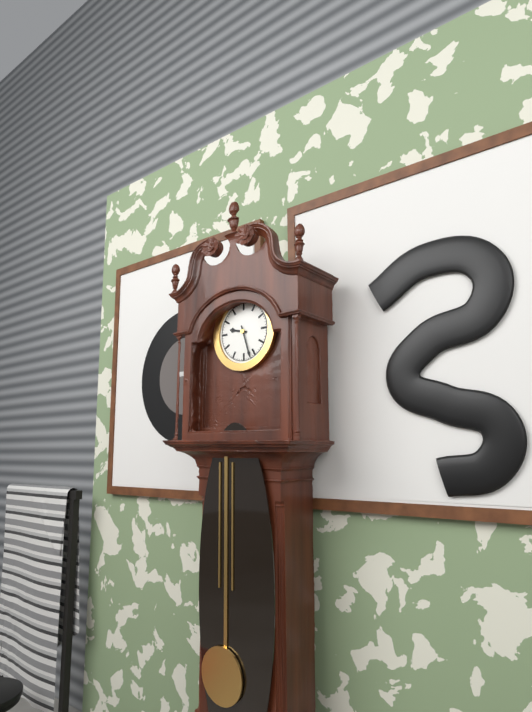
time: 9:27
